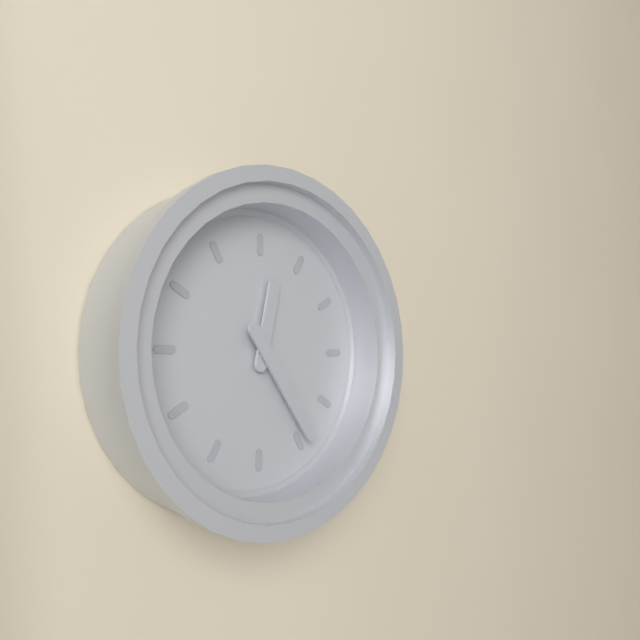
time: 12:24
